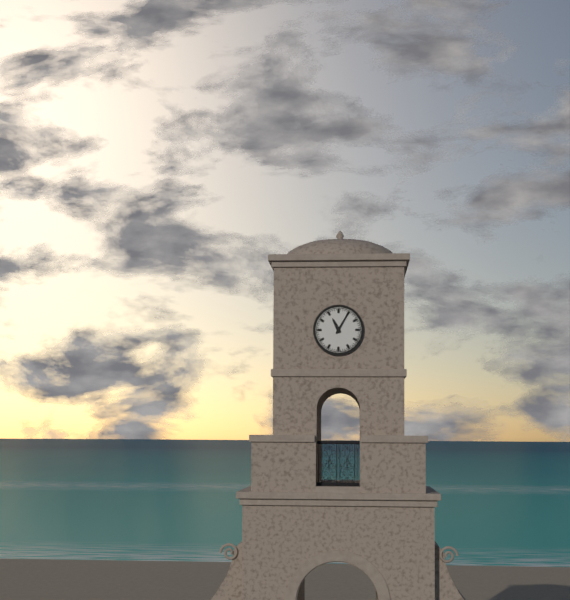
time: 11:05
